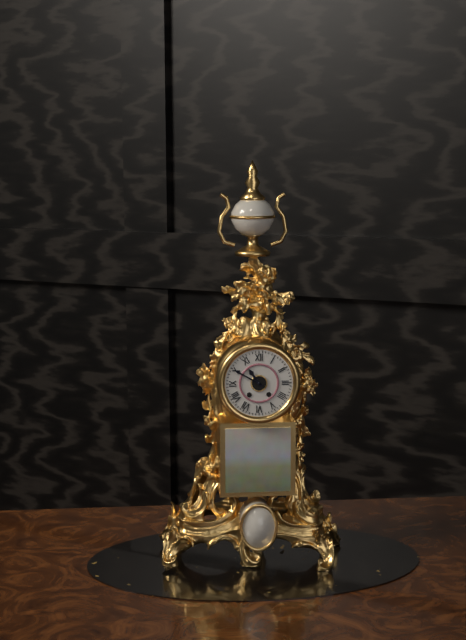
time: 10:50
